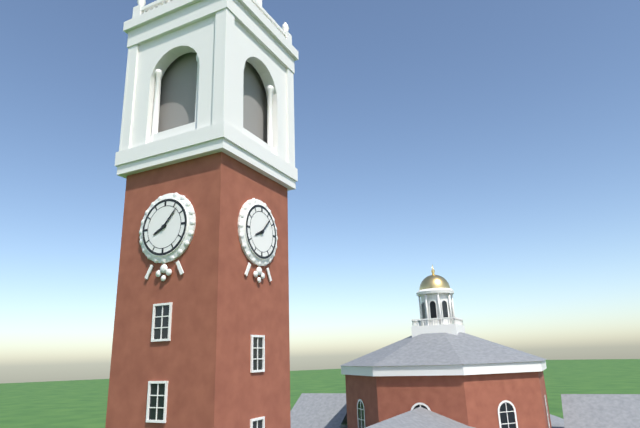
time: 8:07
